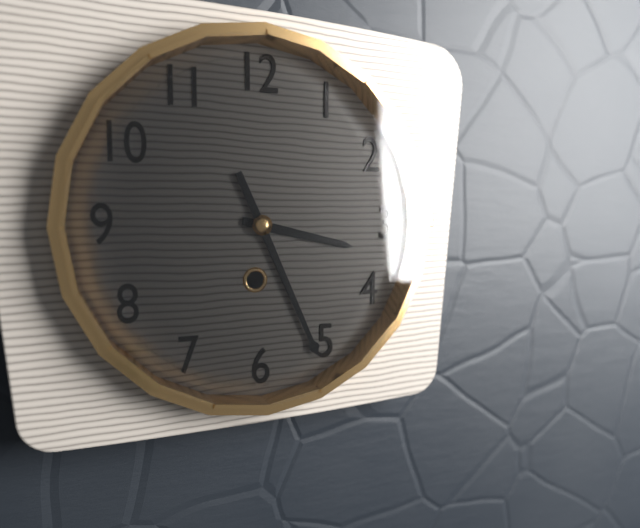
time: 3:26
